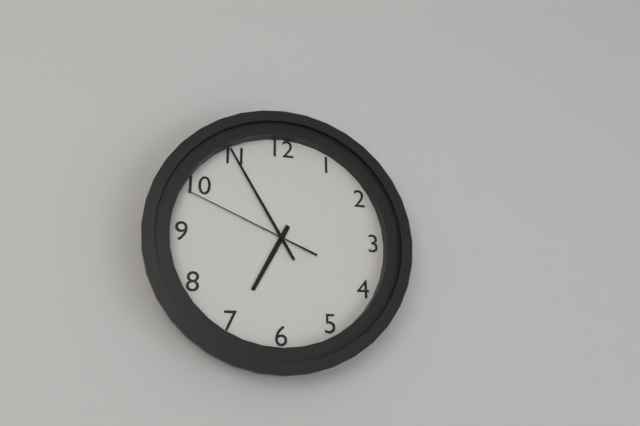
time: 6:55:49
